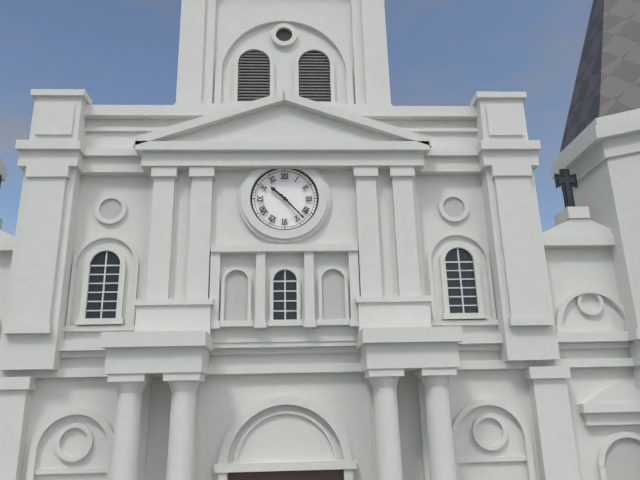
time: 10:23
